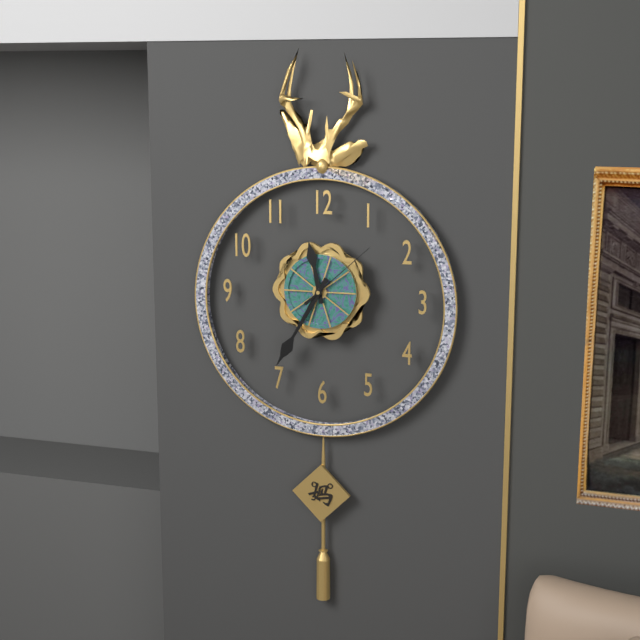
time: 11:35:08
